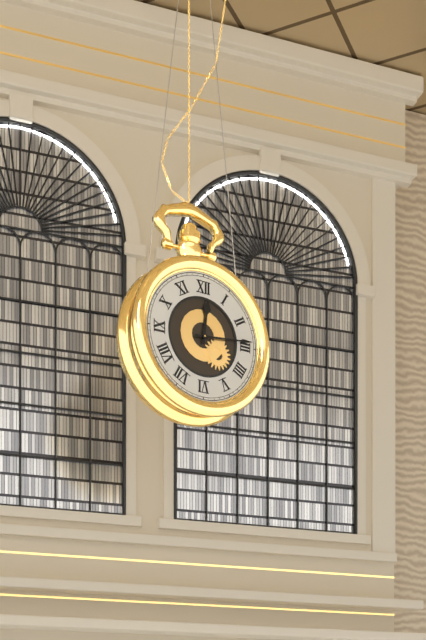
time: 12:14
